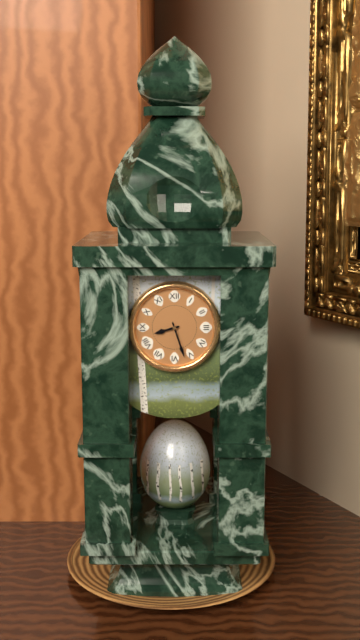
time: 8:27
